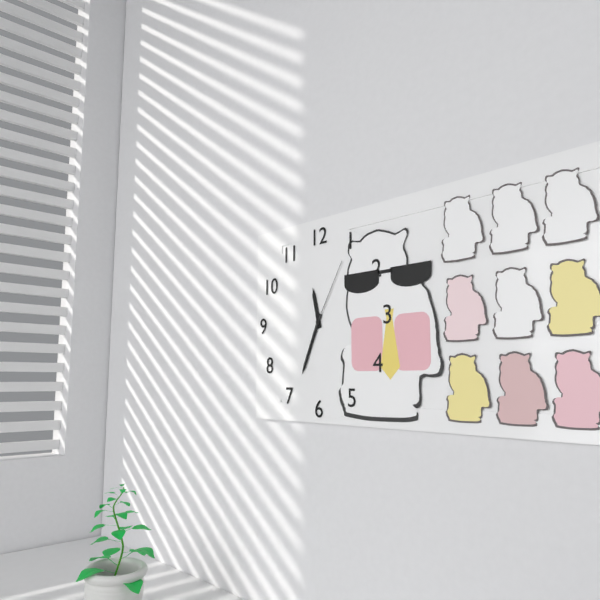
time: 11:34:05
